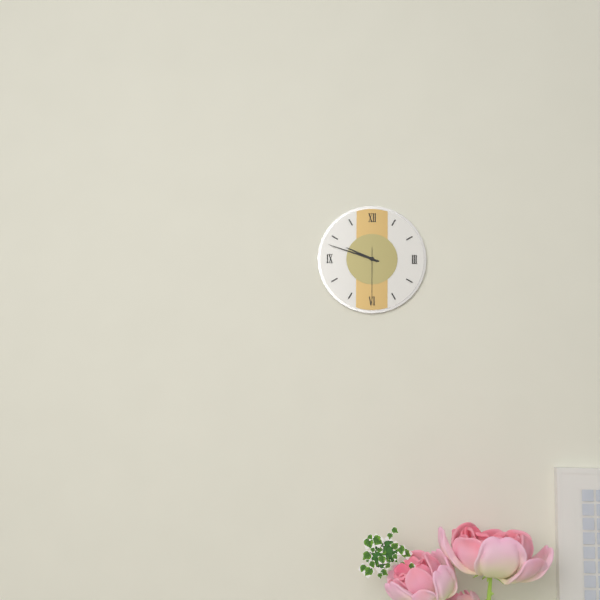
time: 9:48:30
